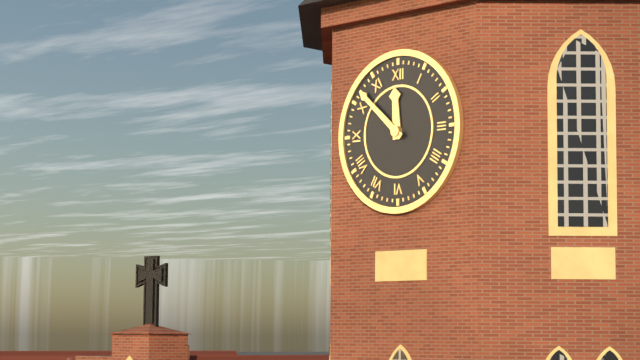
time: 11:52
